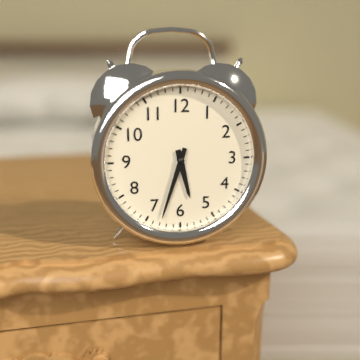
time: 5:33
